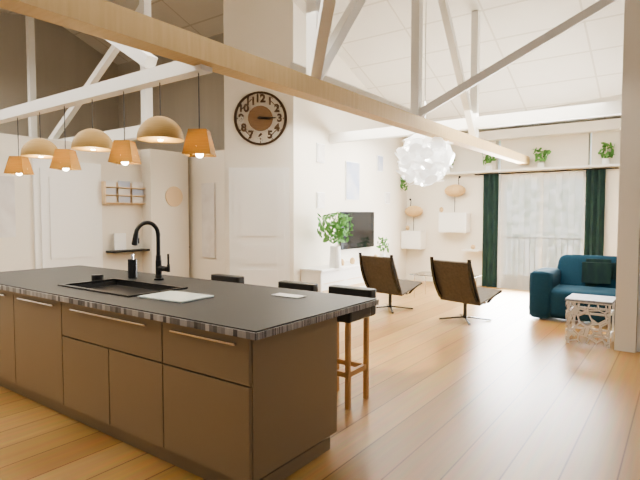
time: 3:15
